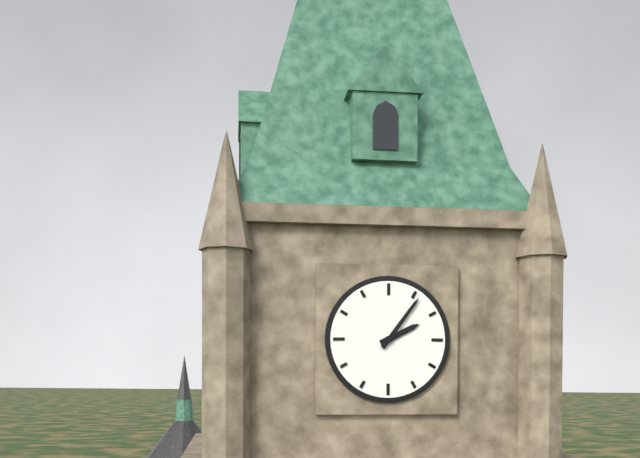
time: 2:06
